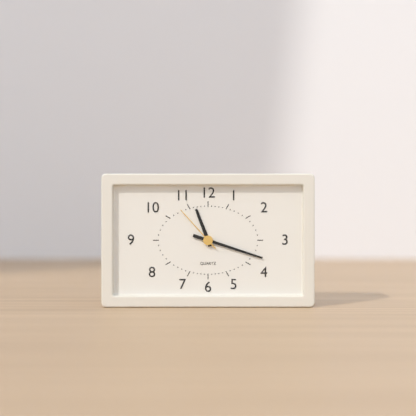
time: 11:18:53
